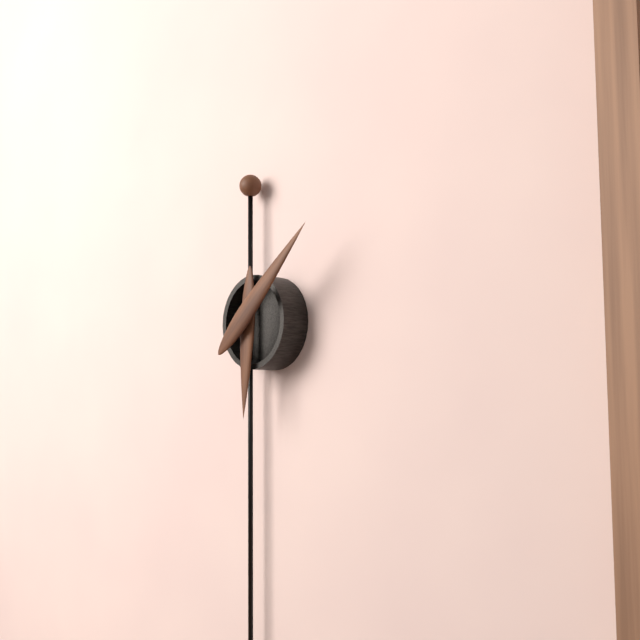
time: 6:08
